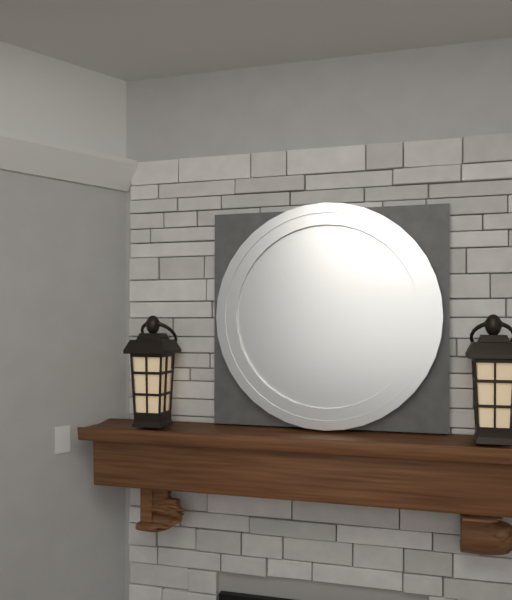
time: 4:52
